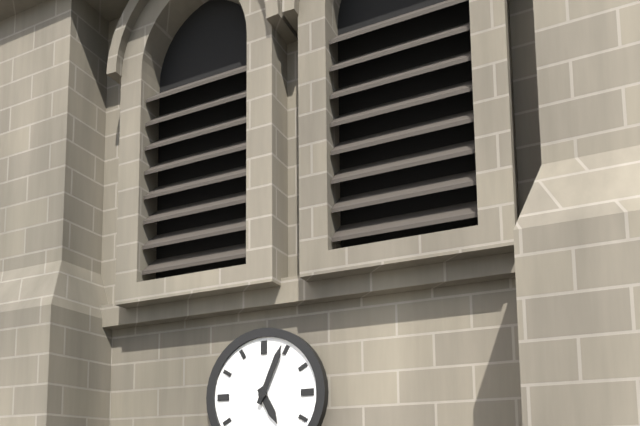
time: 5:04
